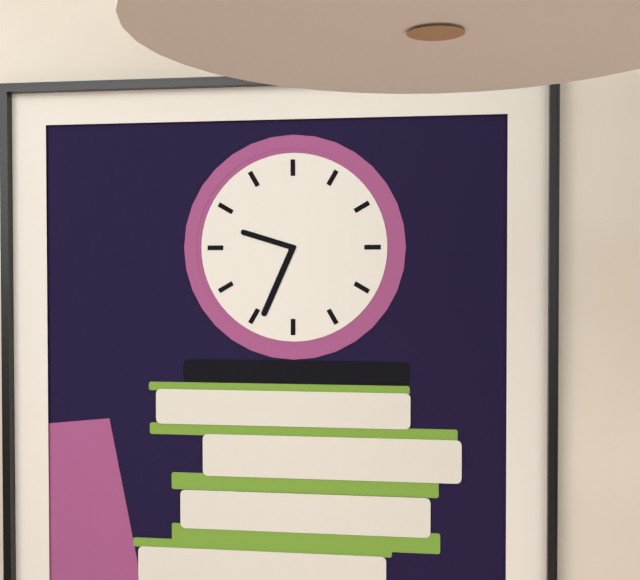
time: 9:34
